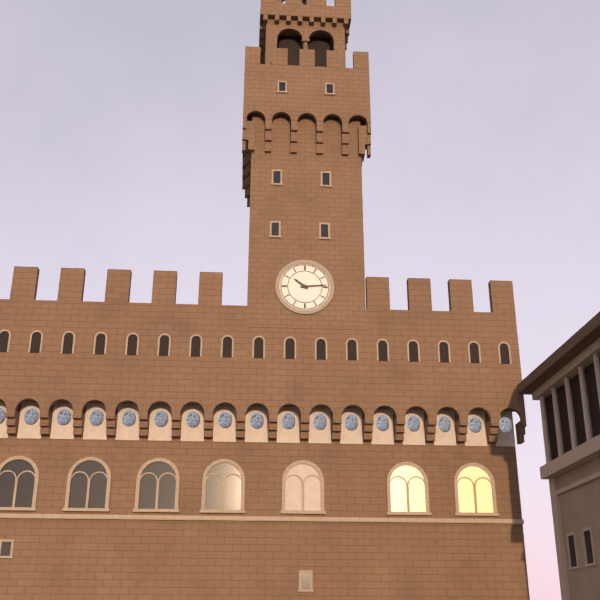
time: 10:14
